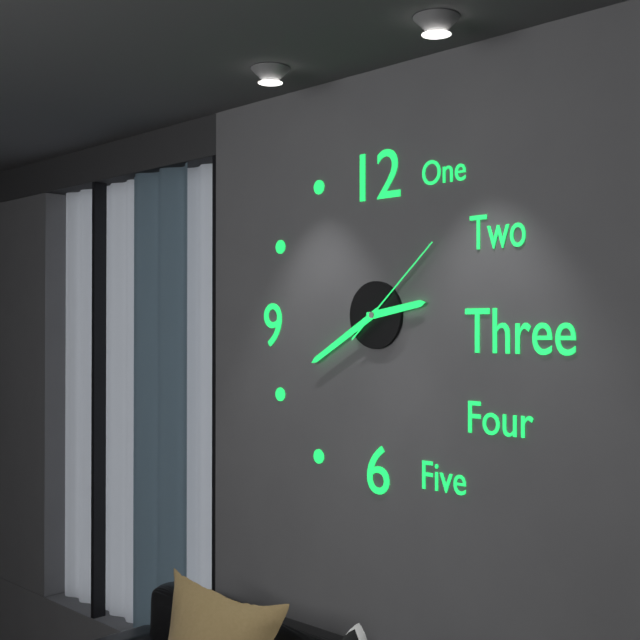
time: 2:40:08
